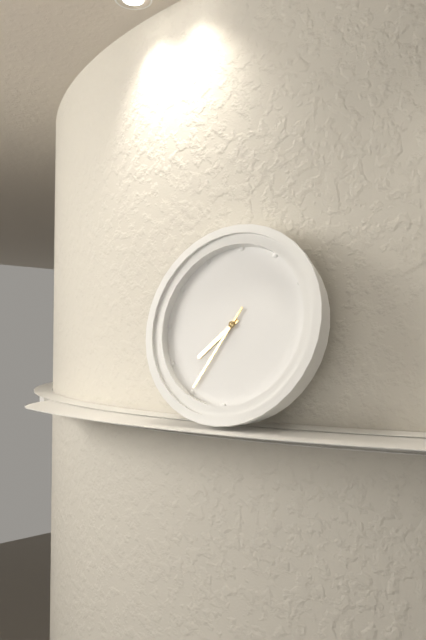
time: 7:35
